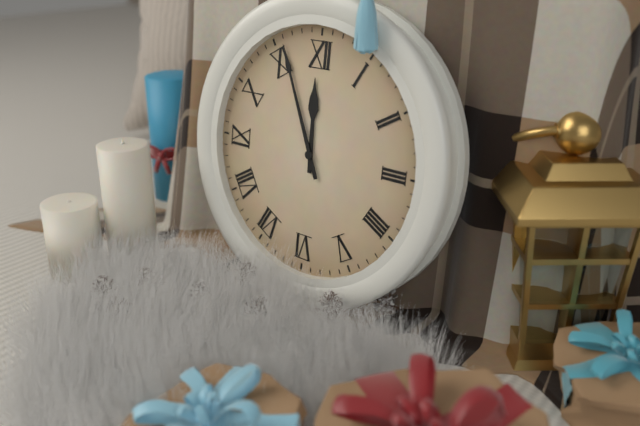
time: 11:56
